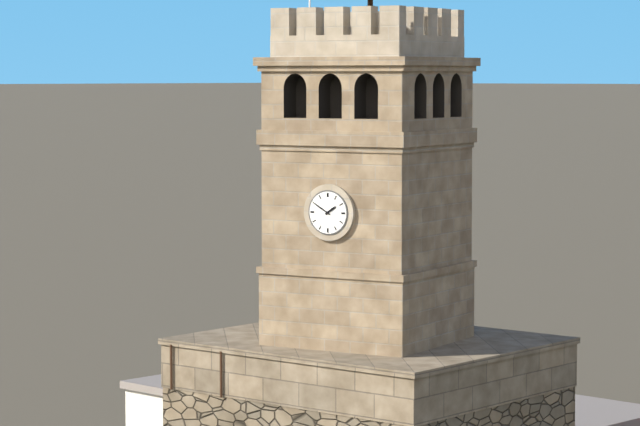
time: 1:50
